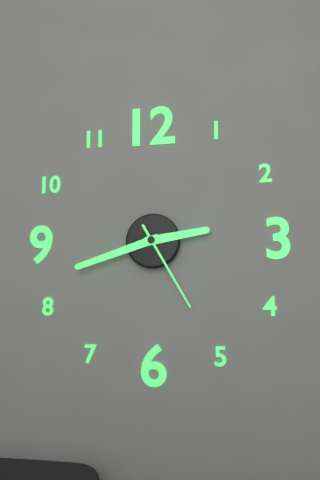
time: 2:42:25
